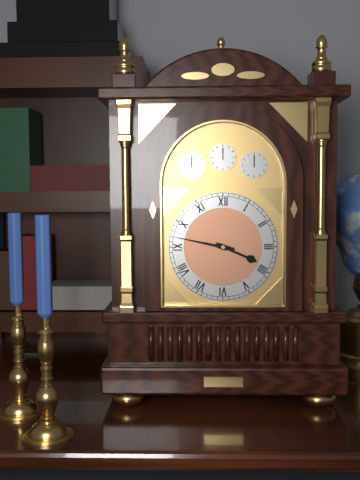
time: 3:47
